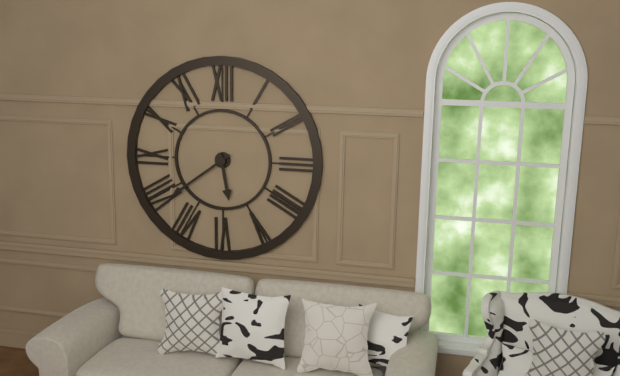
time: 5:39
